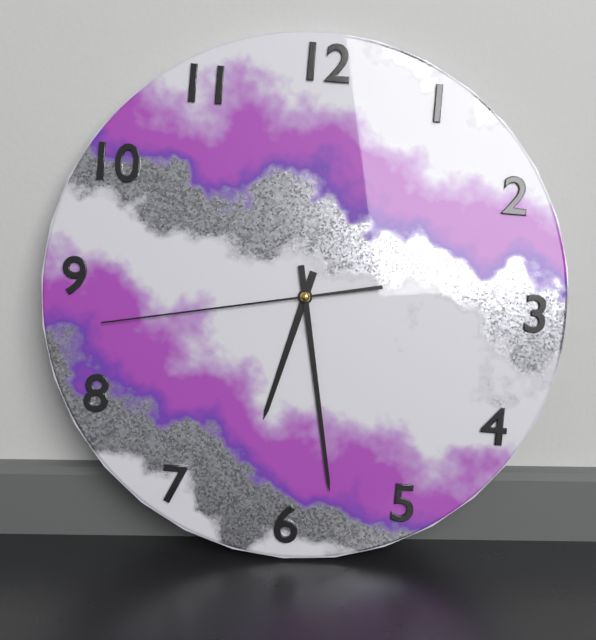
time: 6:28:43
